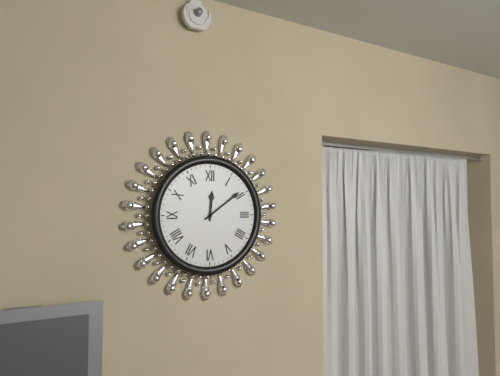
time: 12:09
